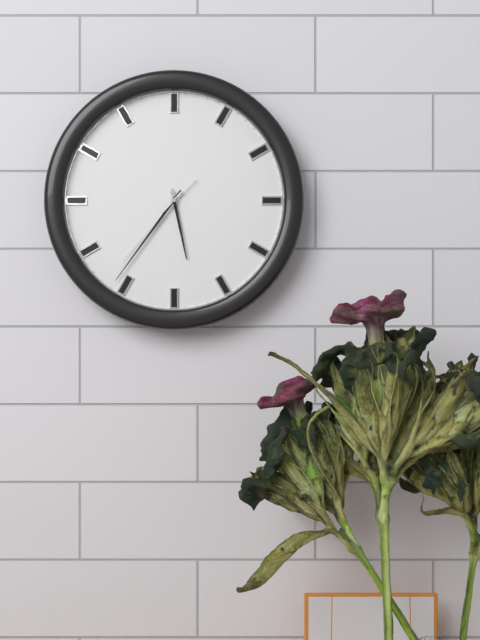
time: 5:36:37
